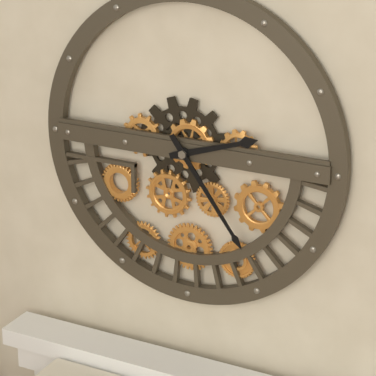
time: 2:24
